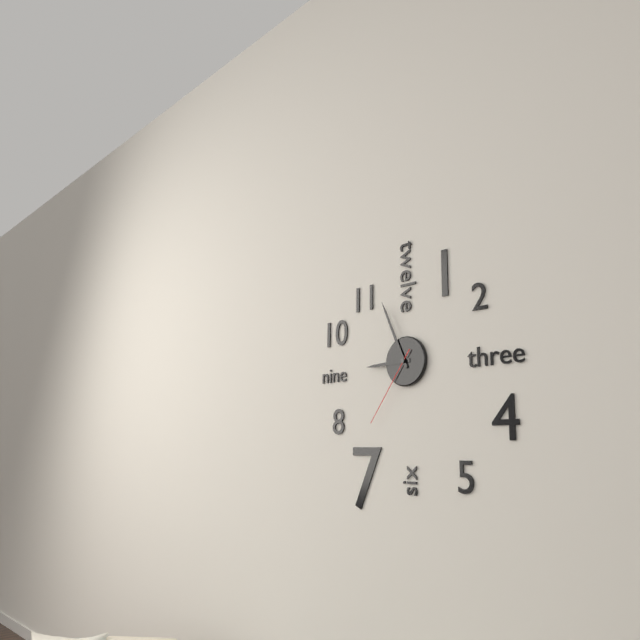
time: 8:56:36
